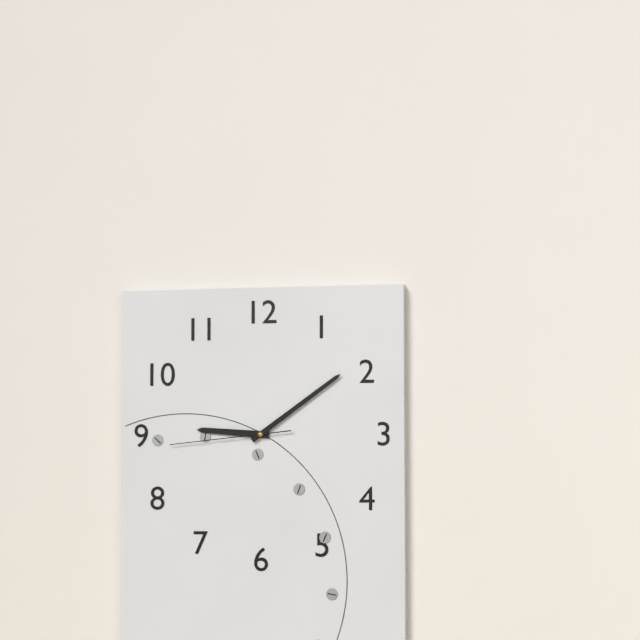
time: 9:09:44
